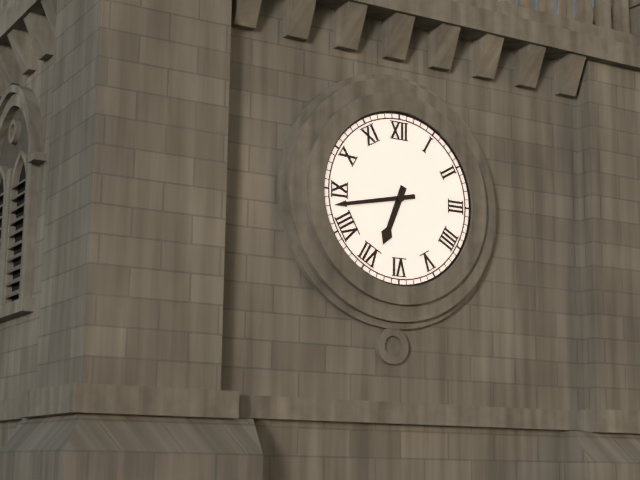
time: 6:43
